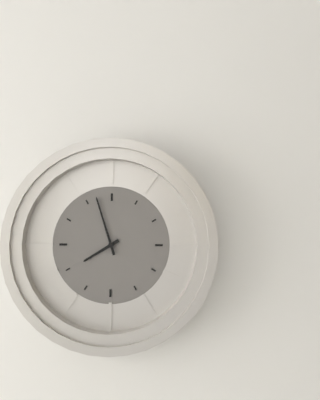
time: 7:57
